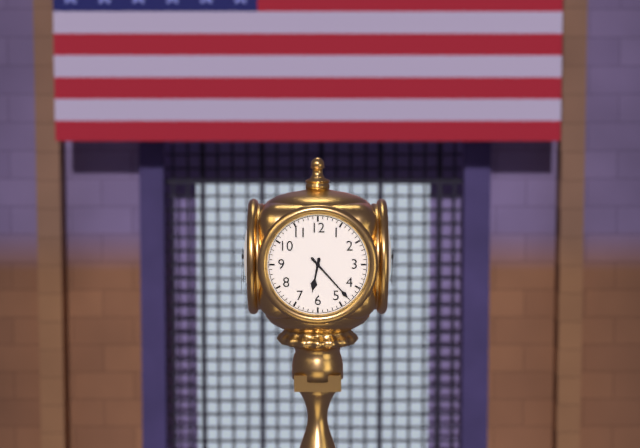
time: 6:23
